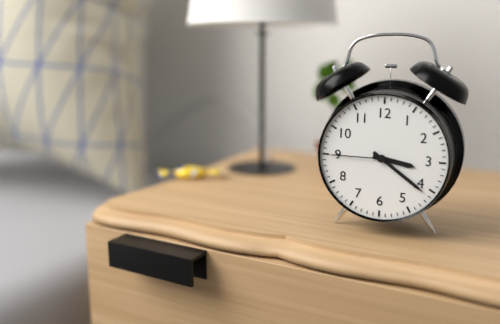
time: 3:21:45
